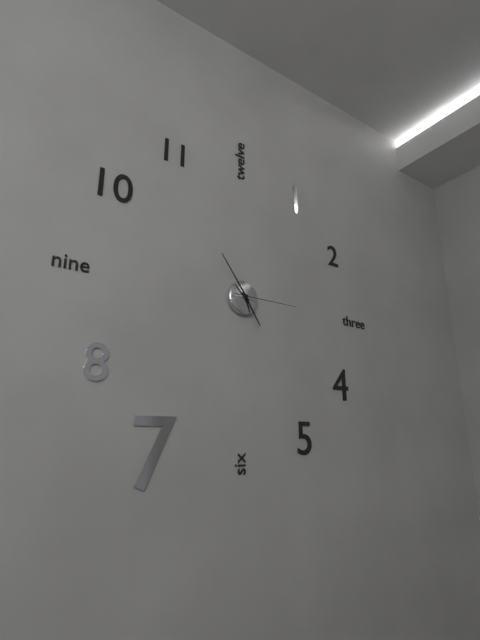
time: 4:54:15
